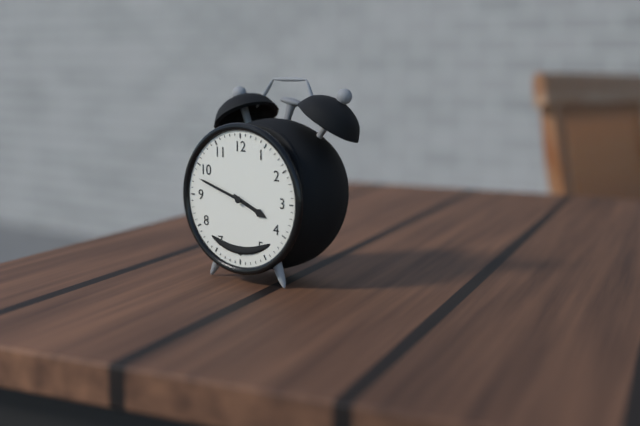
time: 3:48
